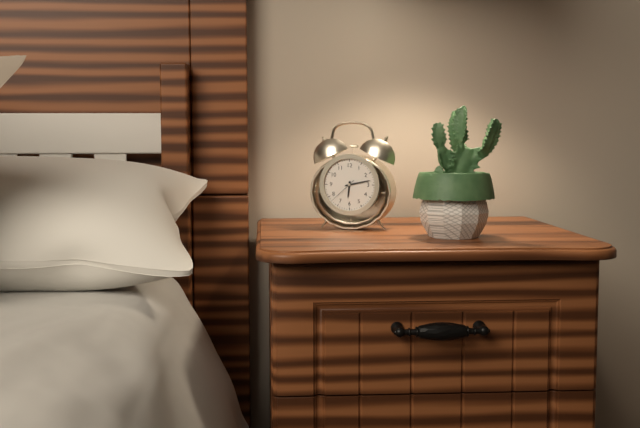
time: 6:13
